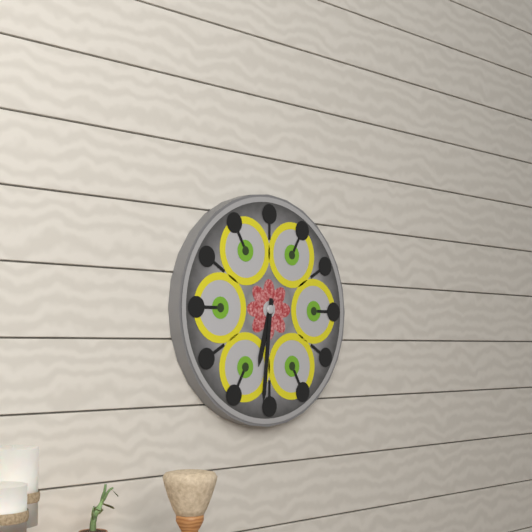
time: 6:31
